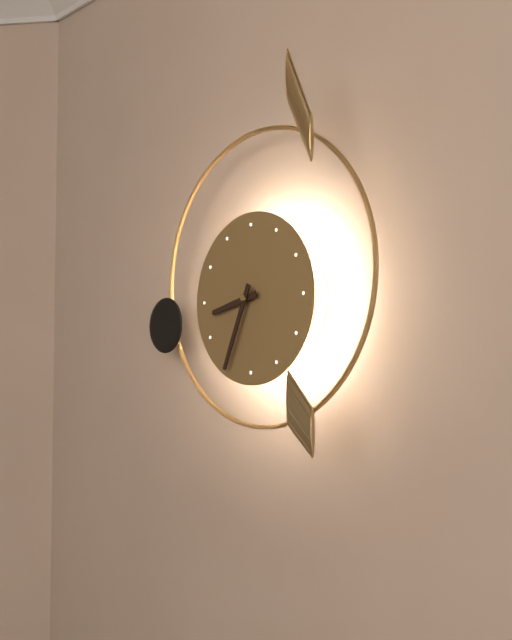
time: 8:34
